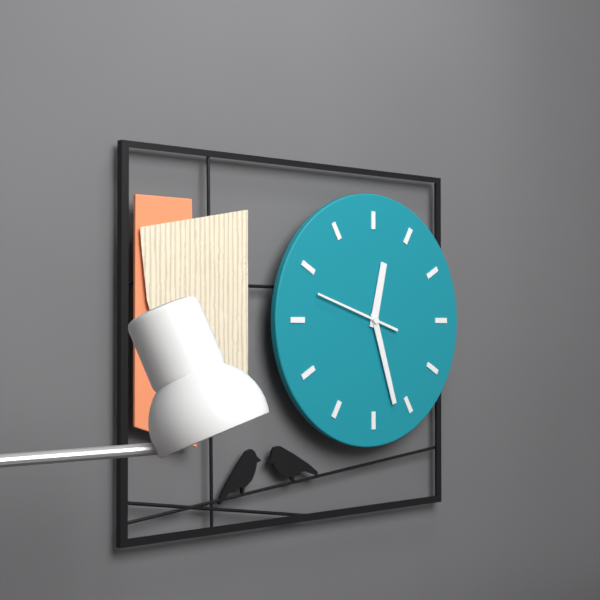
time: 12:27:48
